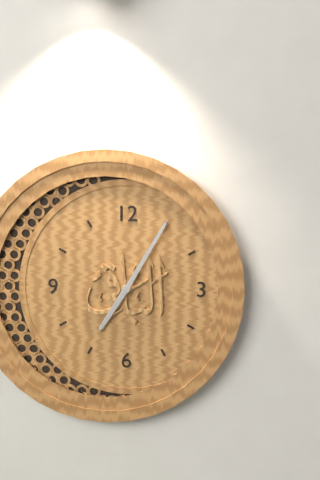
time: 7:05
